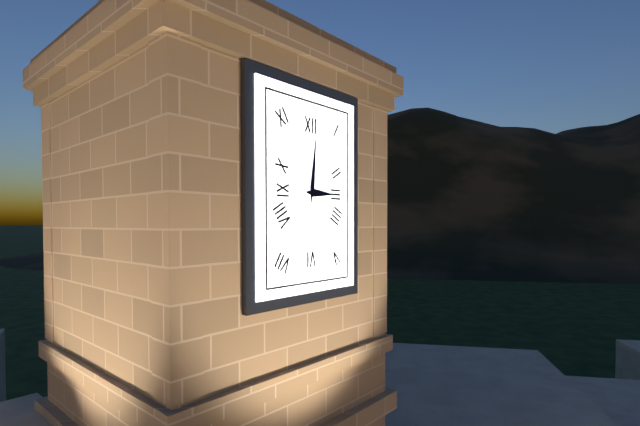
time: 3:01
